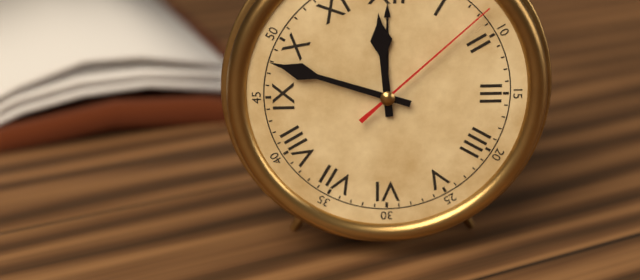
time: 11:48:08
